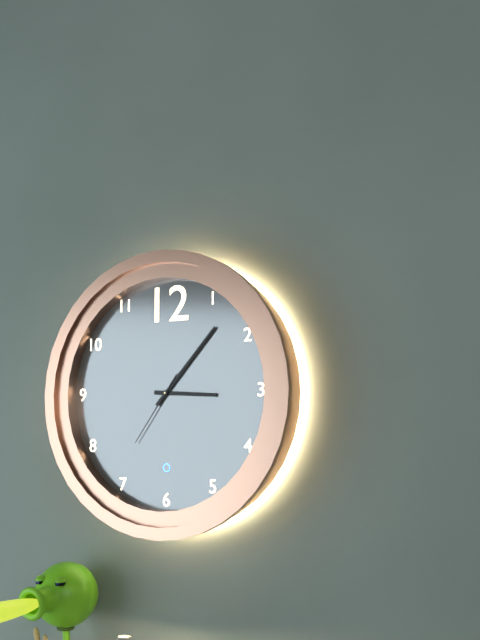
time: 3:07:36
